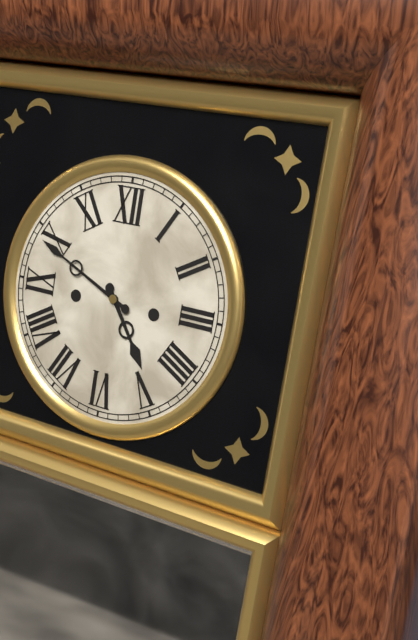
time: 4:49
